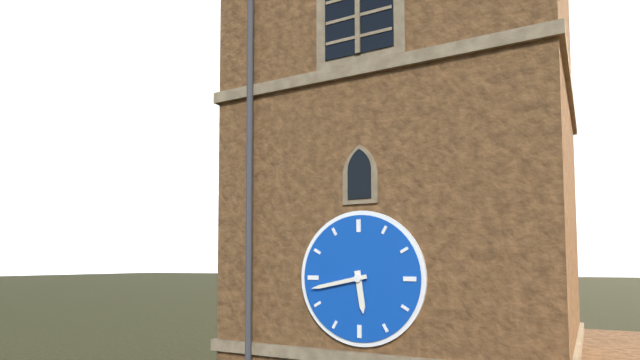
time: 5:43
